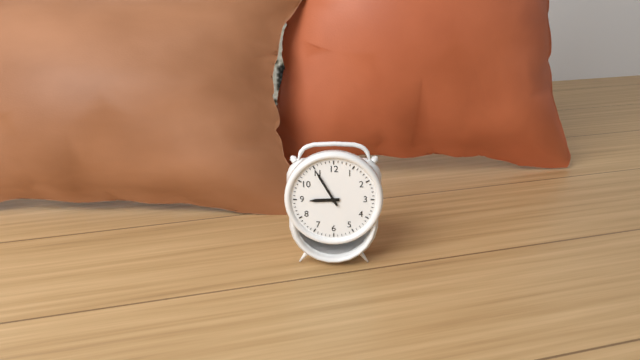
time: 8:55
